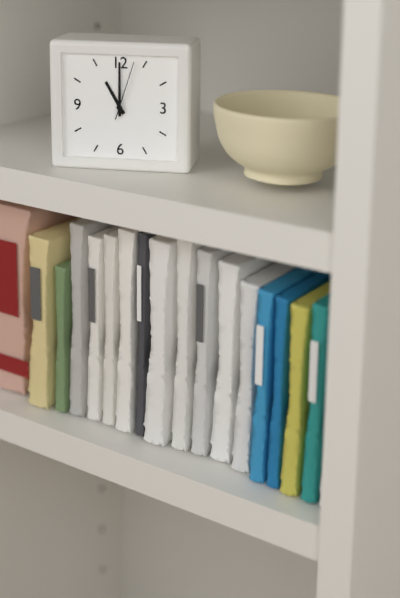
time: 11:00:03
